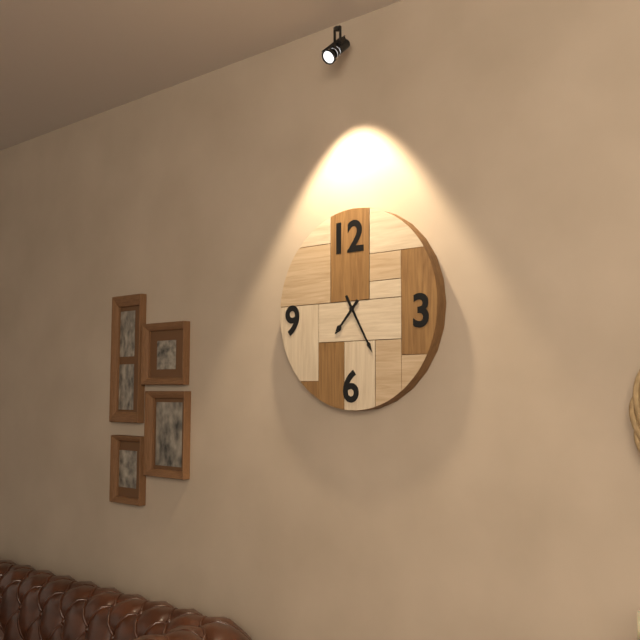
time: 7:25
